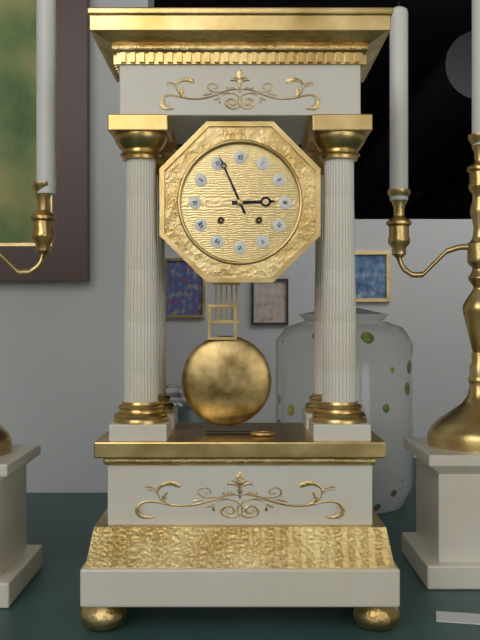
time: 2:56
